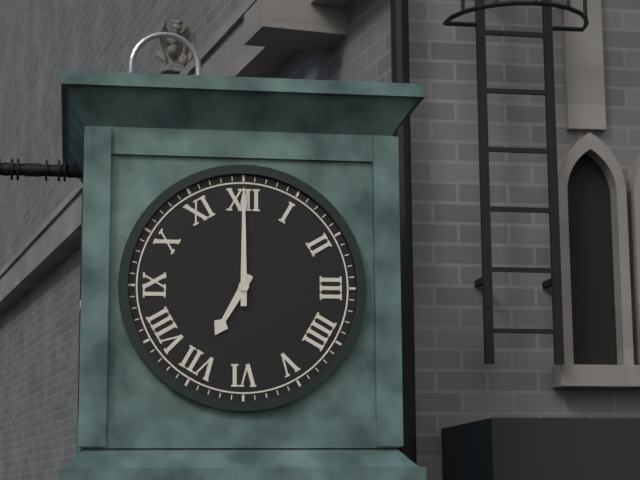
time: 7:00
